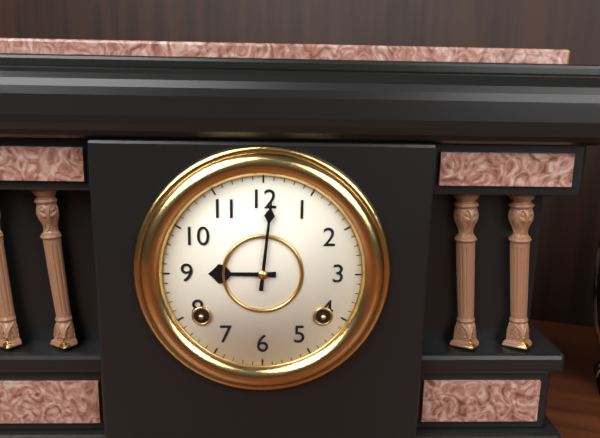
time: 9:01
